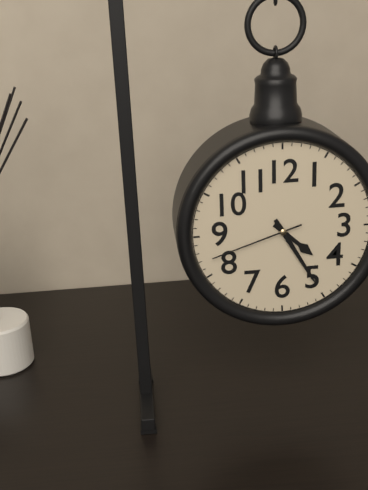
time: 4:25:42
